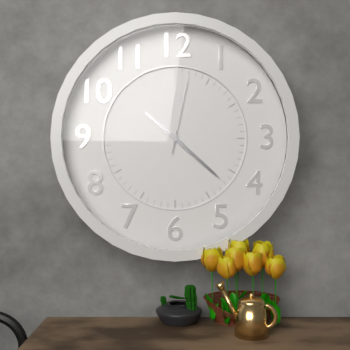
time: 10:22:02
